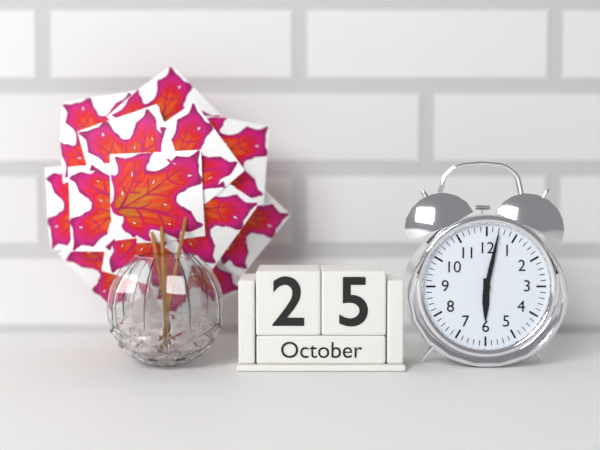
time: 6:02
